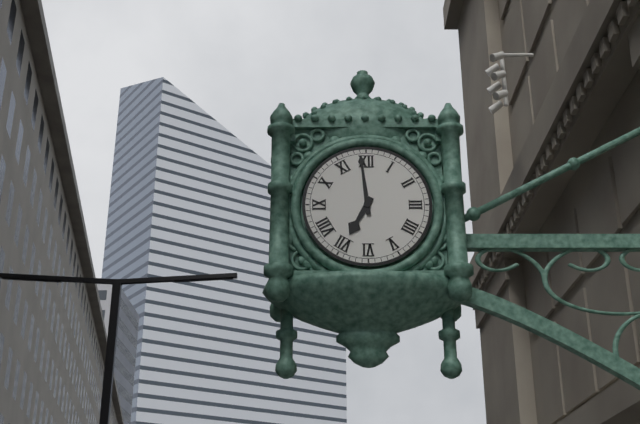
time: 6:59
